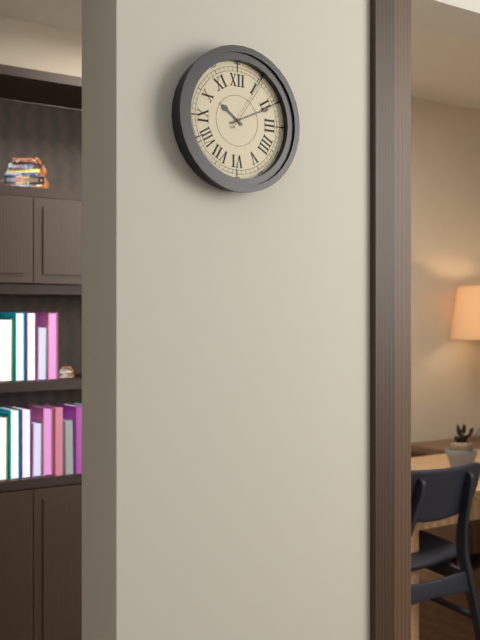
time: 10:11:06
